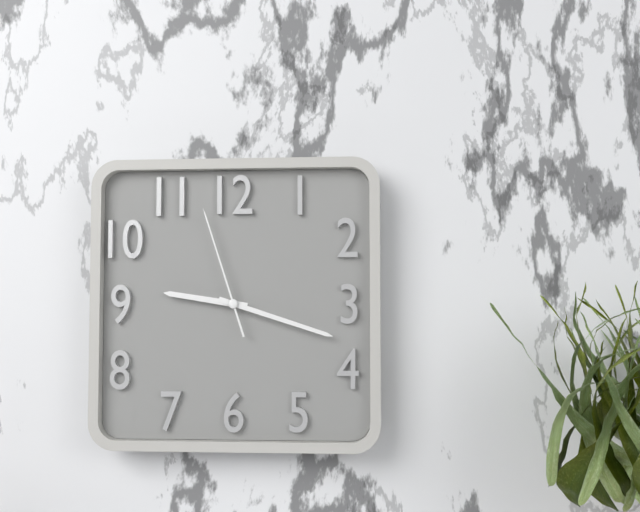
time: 9:18:57
